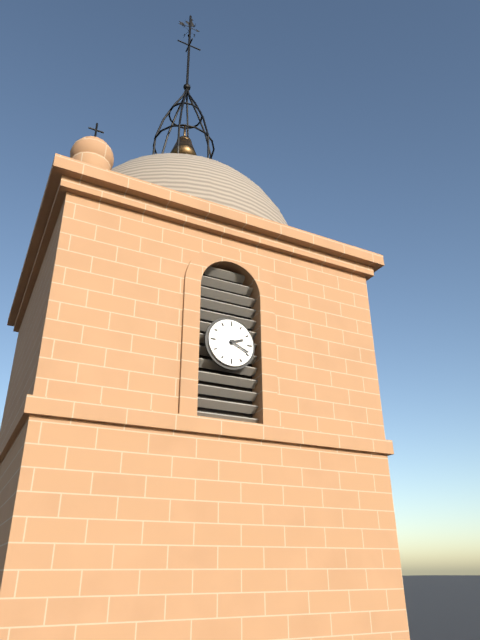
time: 2:19
